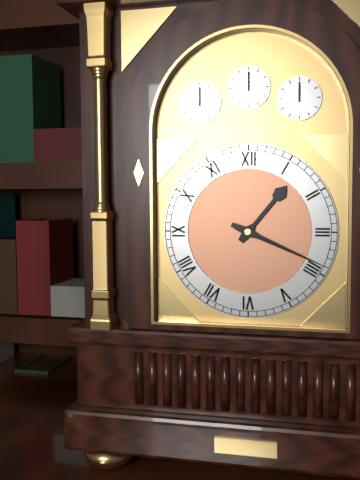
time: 1:19
